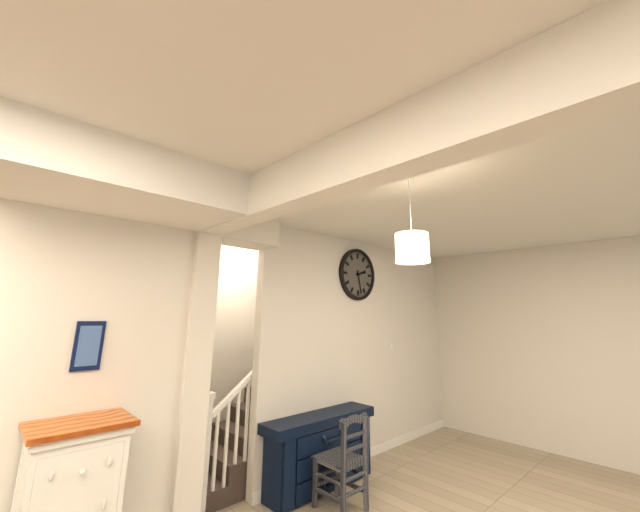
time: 2:28
